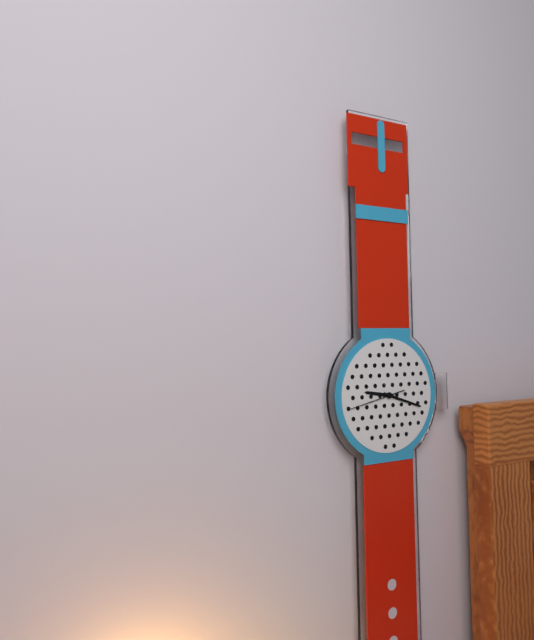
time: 9:18
